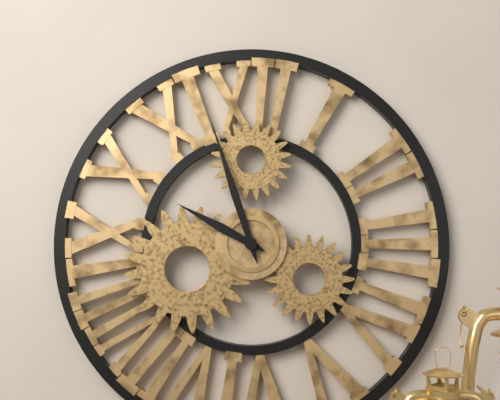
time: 9:57
